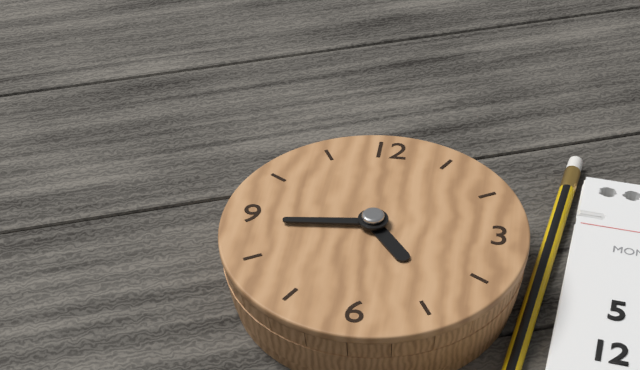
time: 4:44
